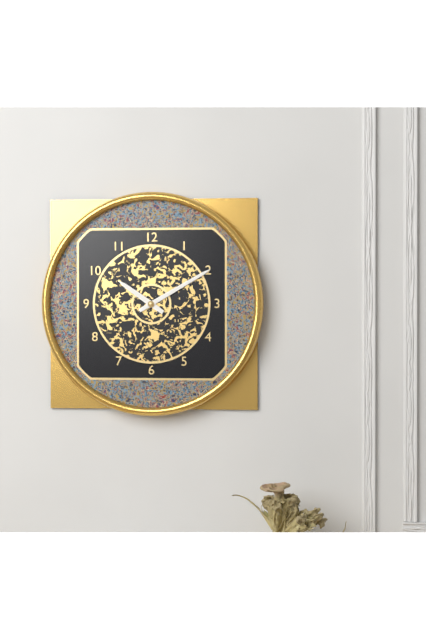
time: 10:10
